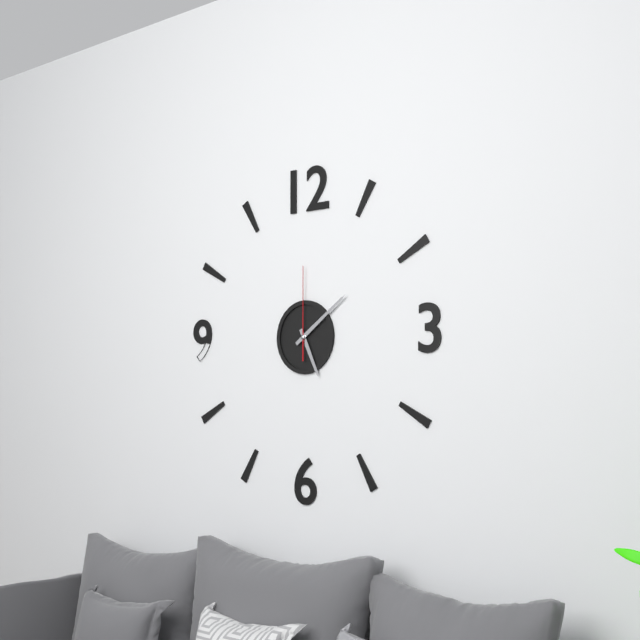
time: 5:09:00
